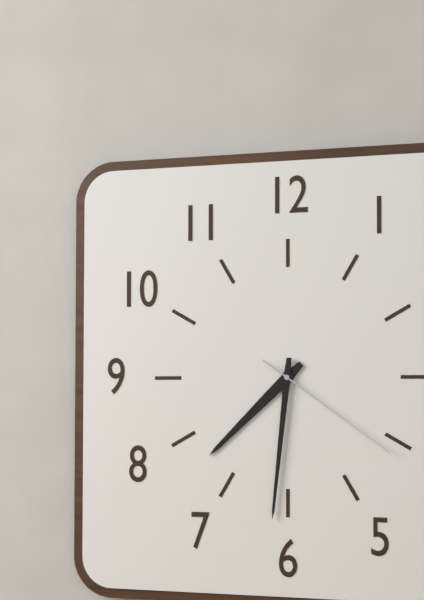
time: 7:31:21
